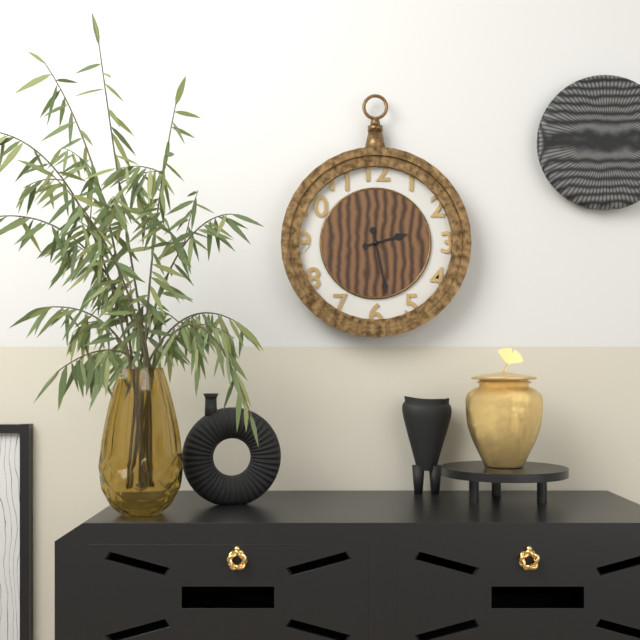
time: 2:28
